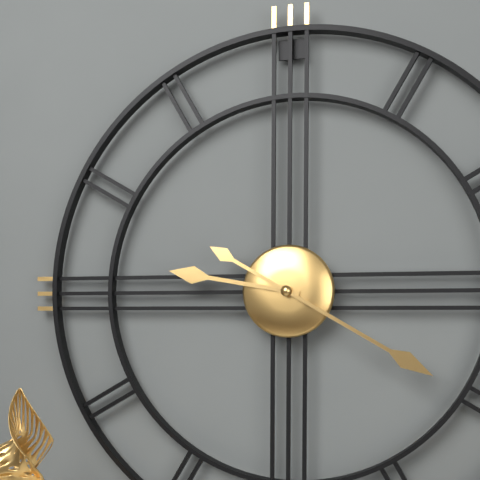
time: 9:20
